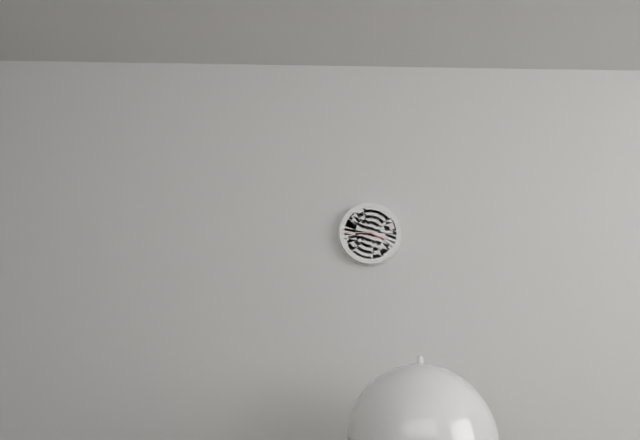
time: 3:45
